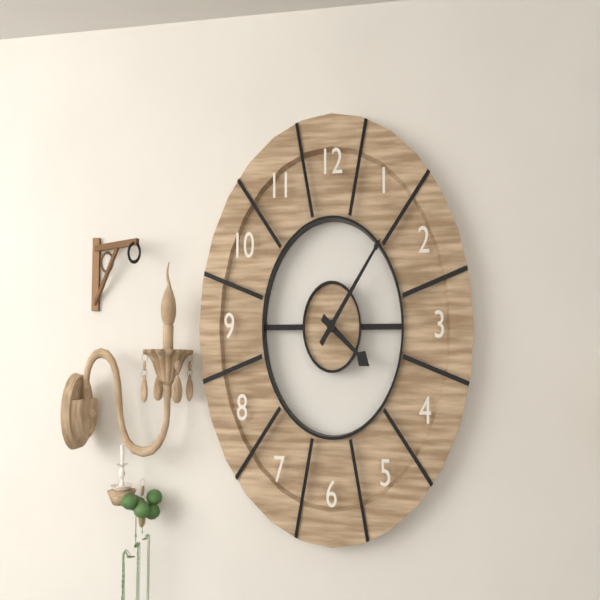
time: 4:07
